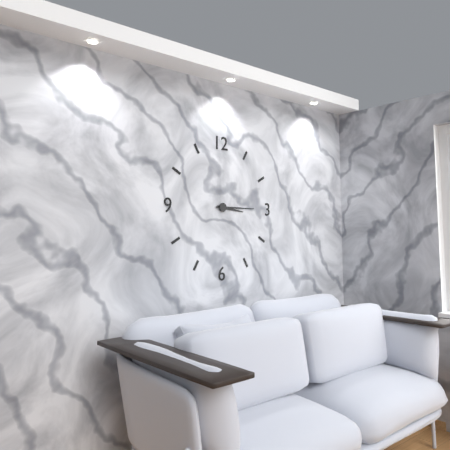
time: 3:15
